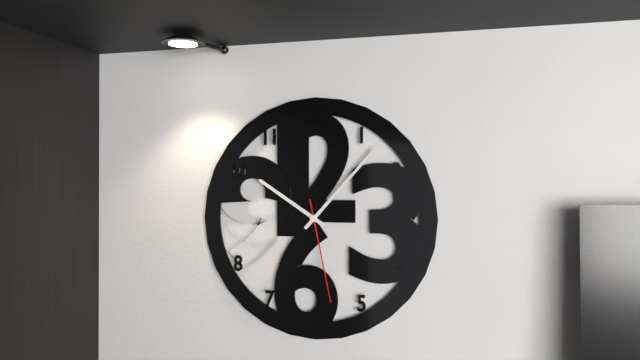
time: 10:07:28
